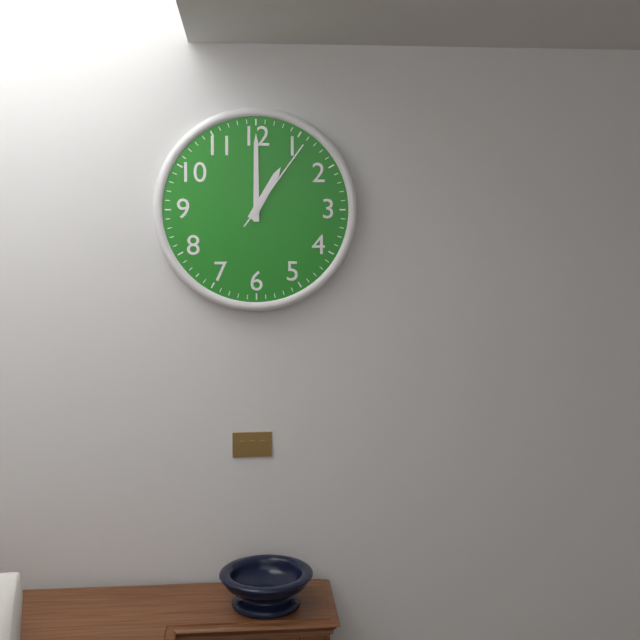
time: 1:00:06
